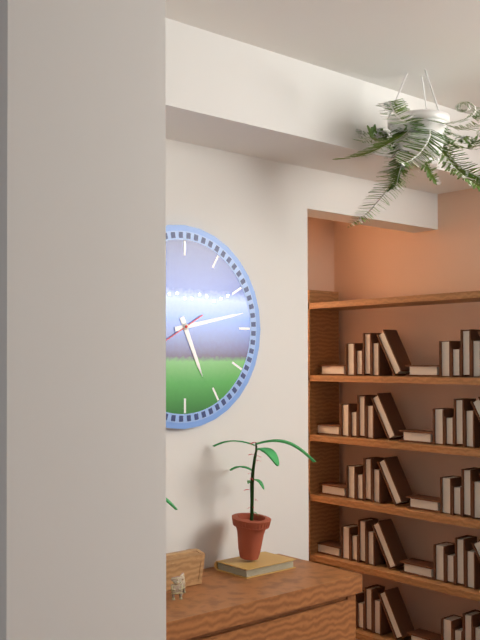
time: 5:13
